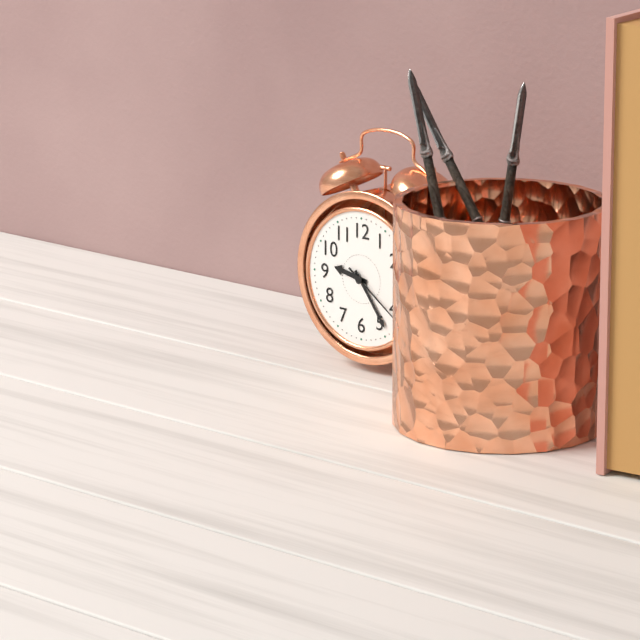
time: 9:24:21
